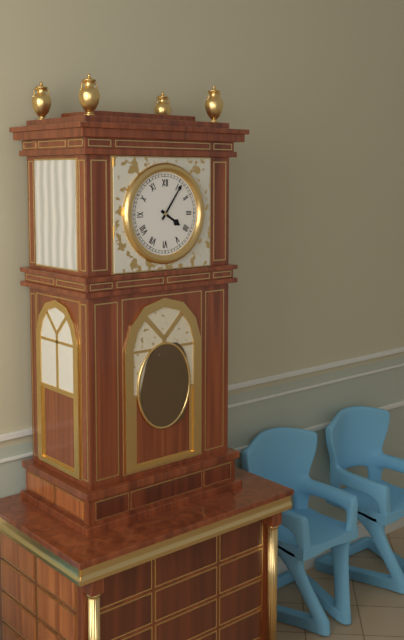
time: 4:06
